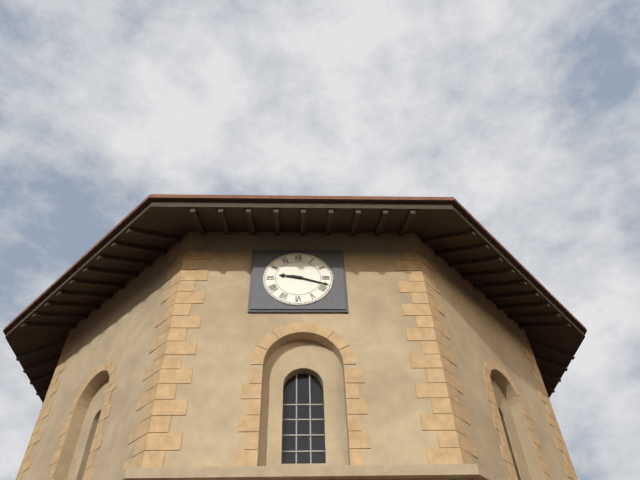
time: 9:18
